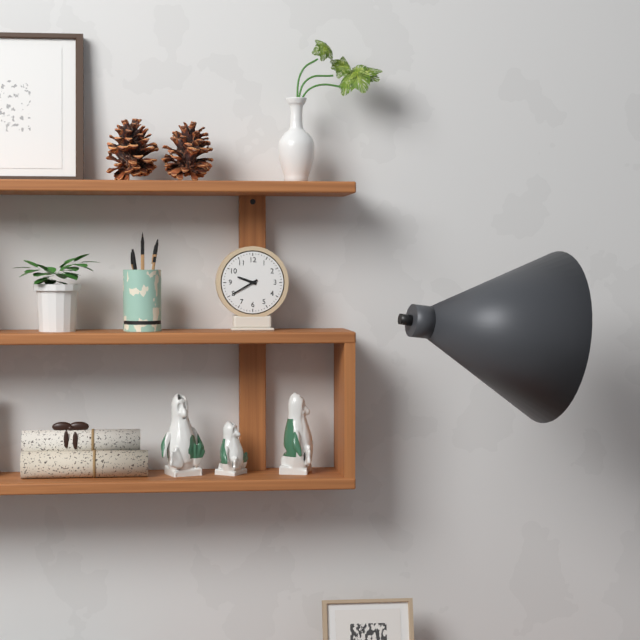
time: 9:40
